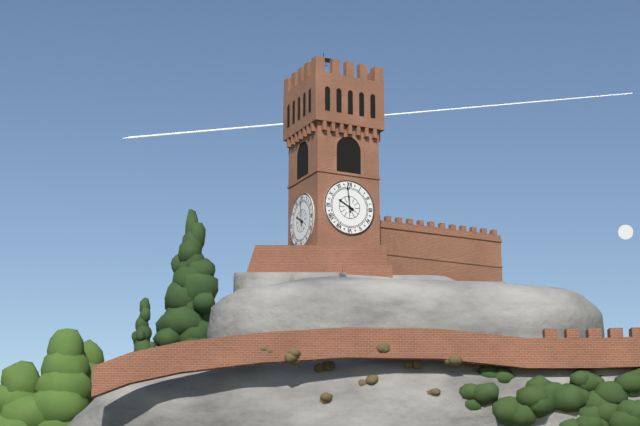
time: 9:59
